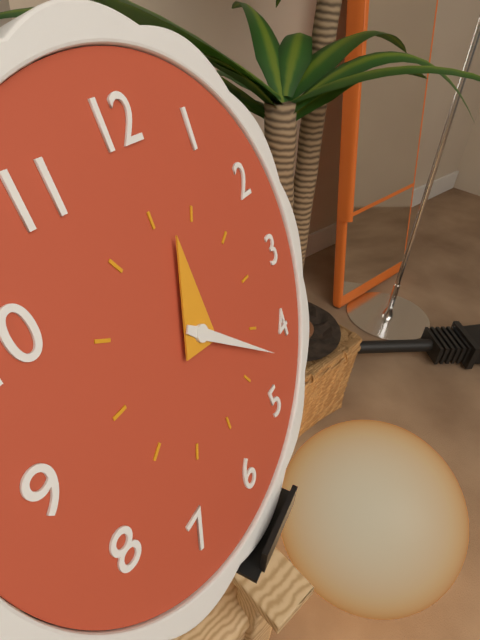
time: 12:22
